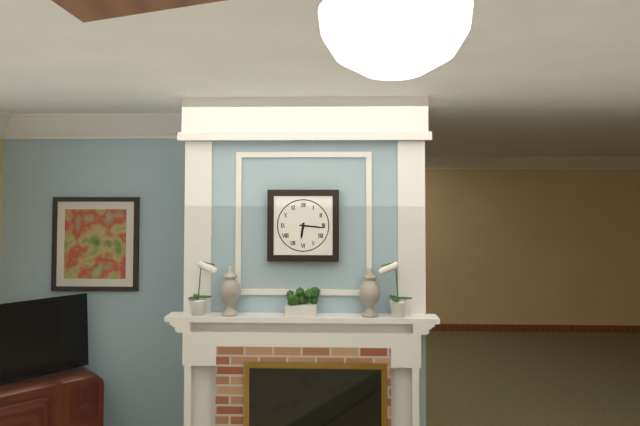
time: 6:16
